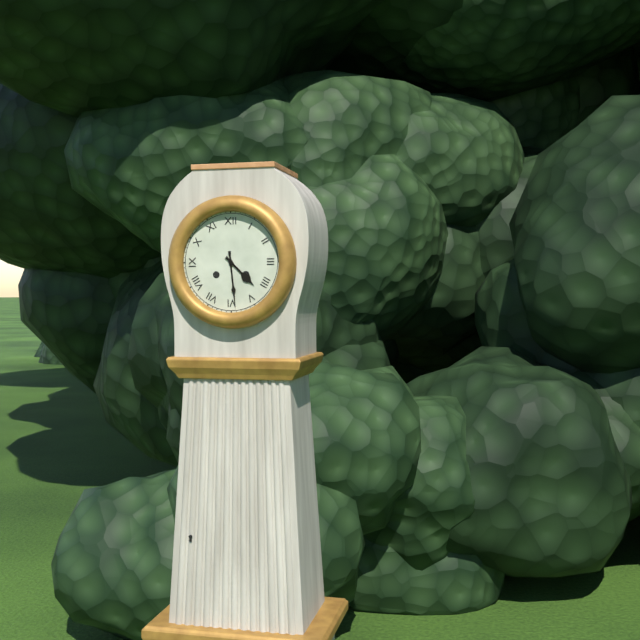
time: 4:29
